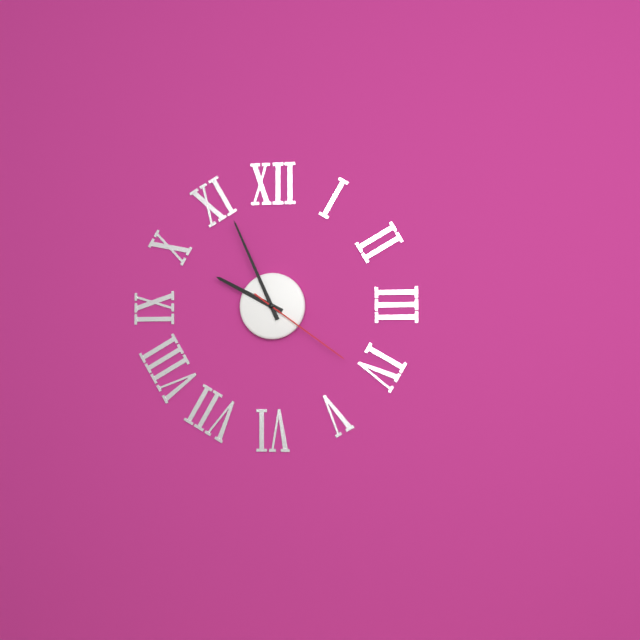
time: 9:56:21
